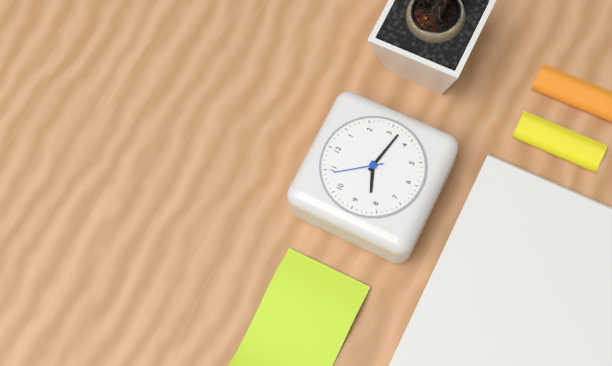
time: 8:17
